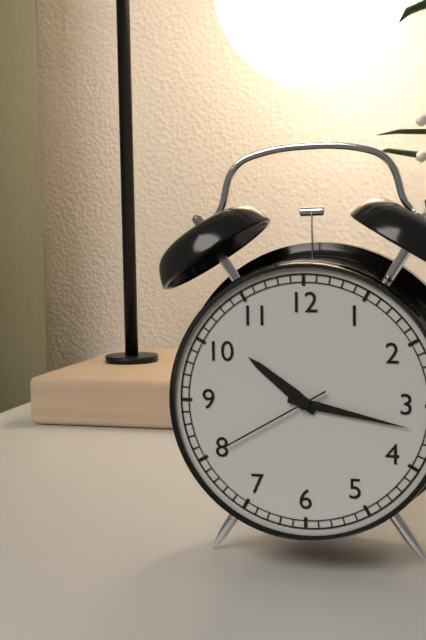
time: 10:17:40
